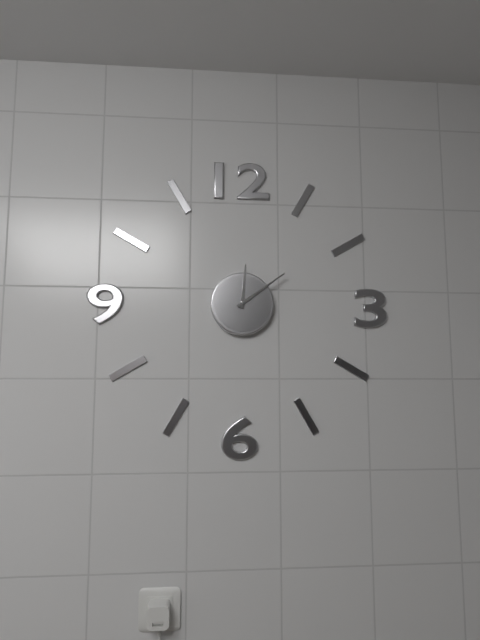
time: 12:09
